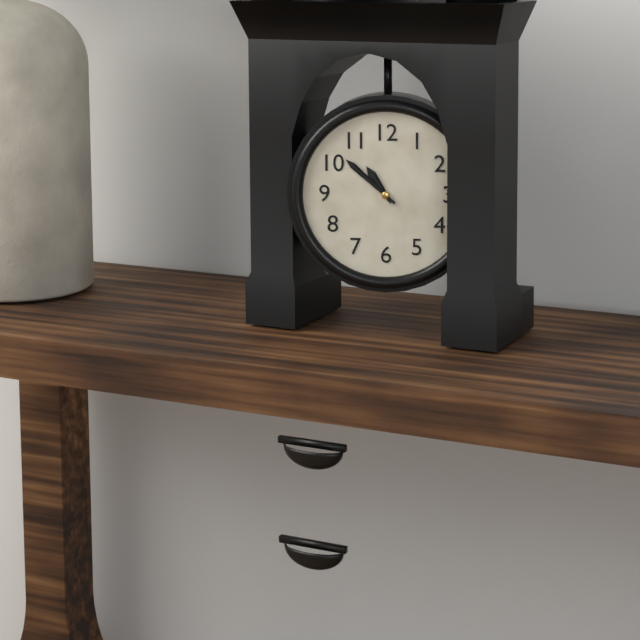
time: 10:52
